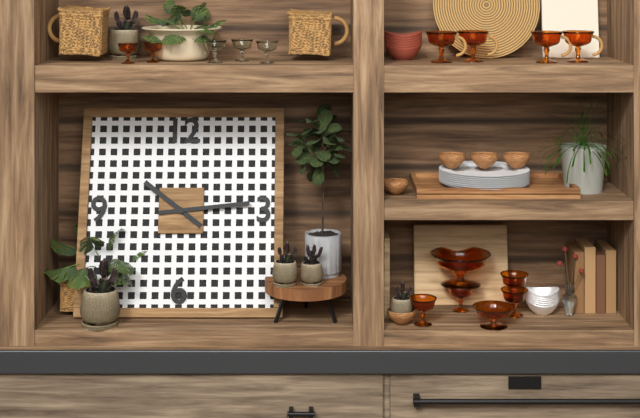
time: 10:14
